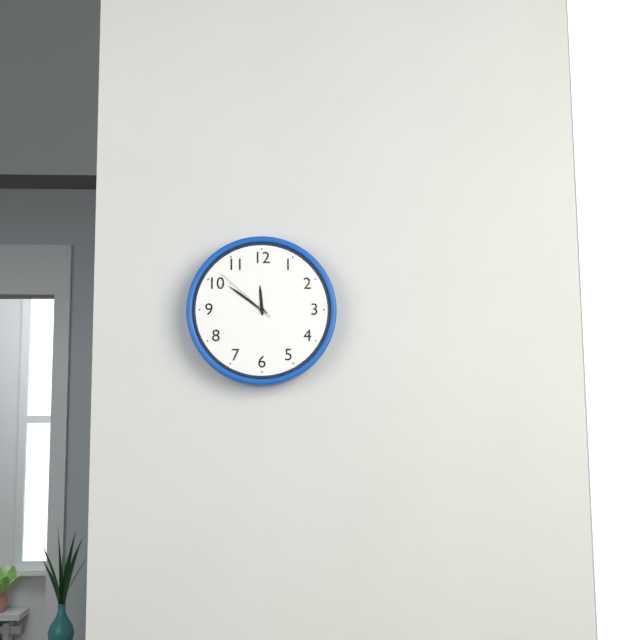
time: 11:51:52
